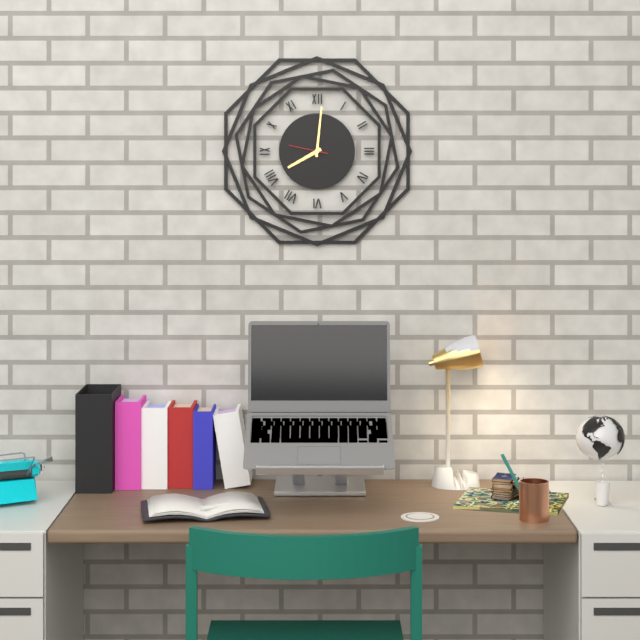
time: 8:01
